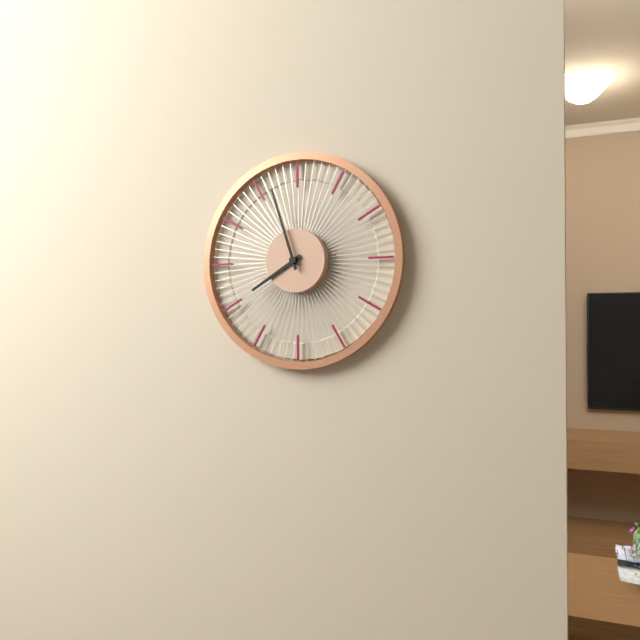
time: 7:57
